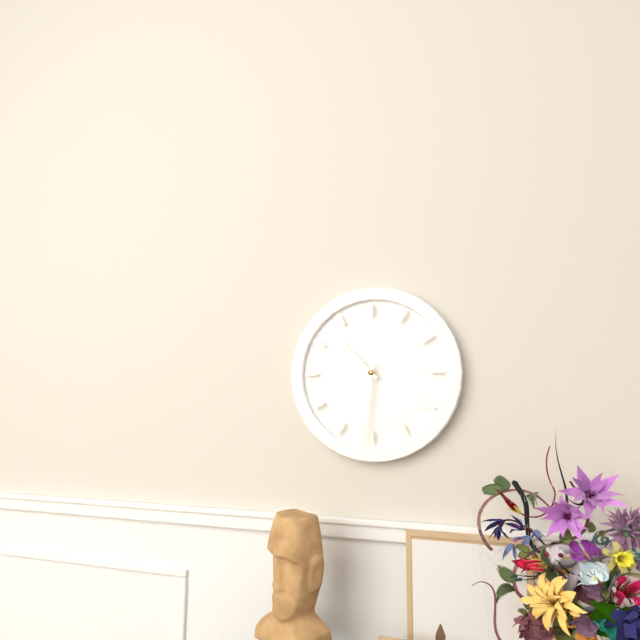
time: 10:31
